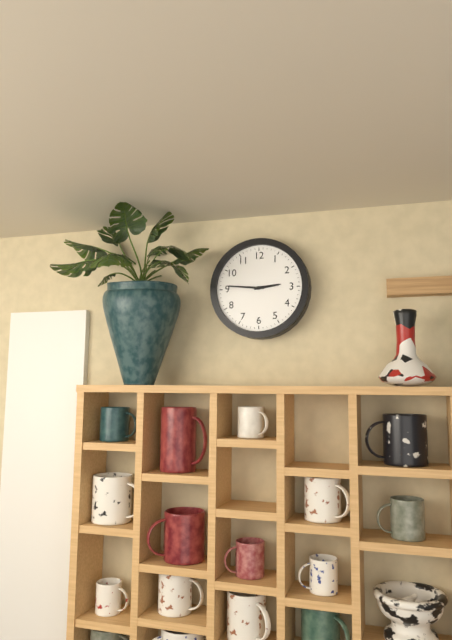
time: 2:46
